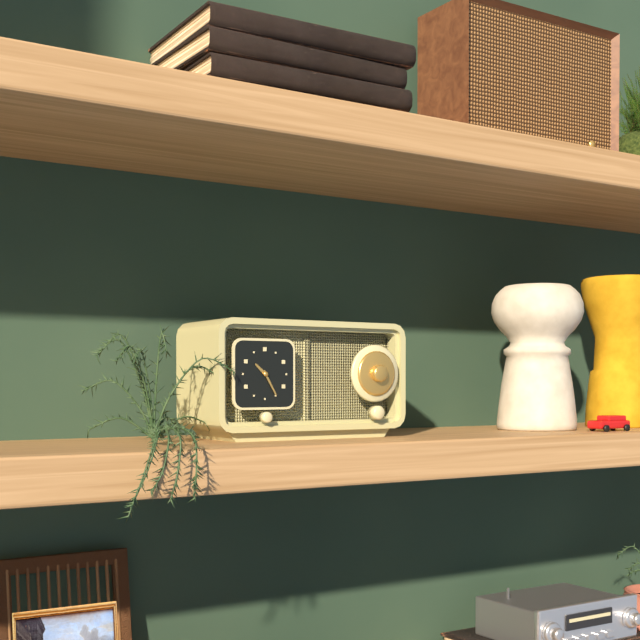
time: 10:25
